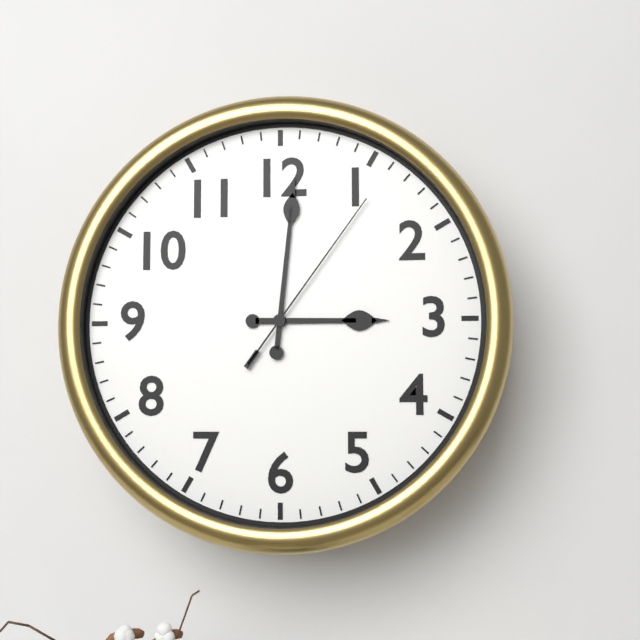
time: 3:01:06
